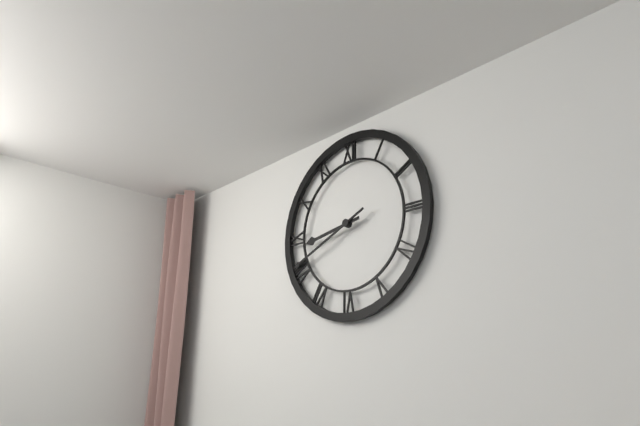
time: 8:41
